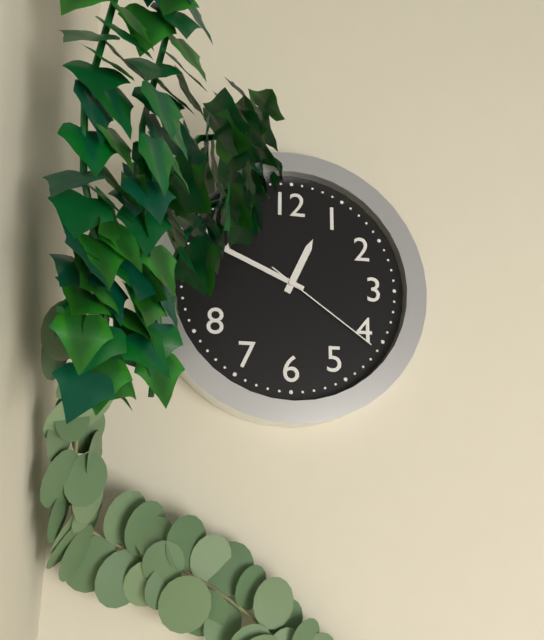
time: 12:49:21
